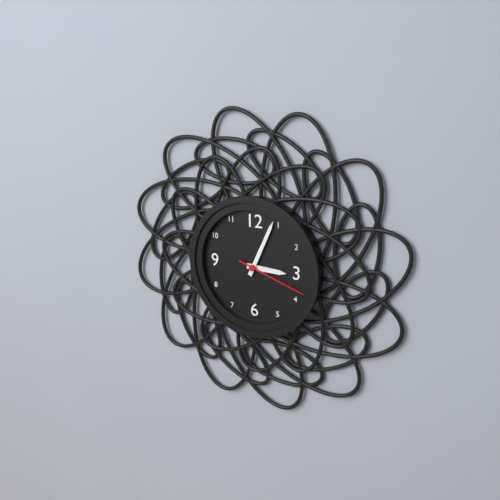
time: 3:04:18
